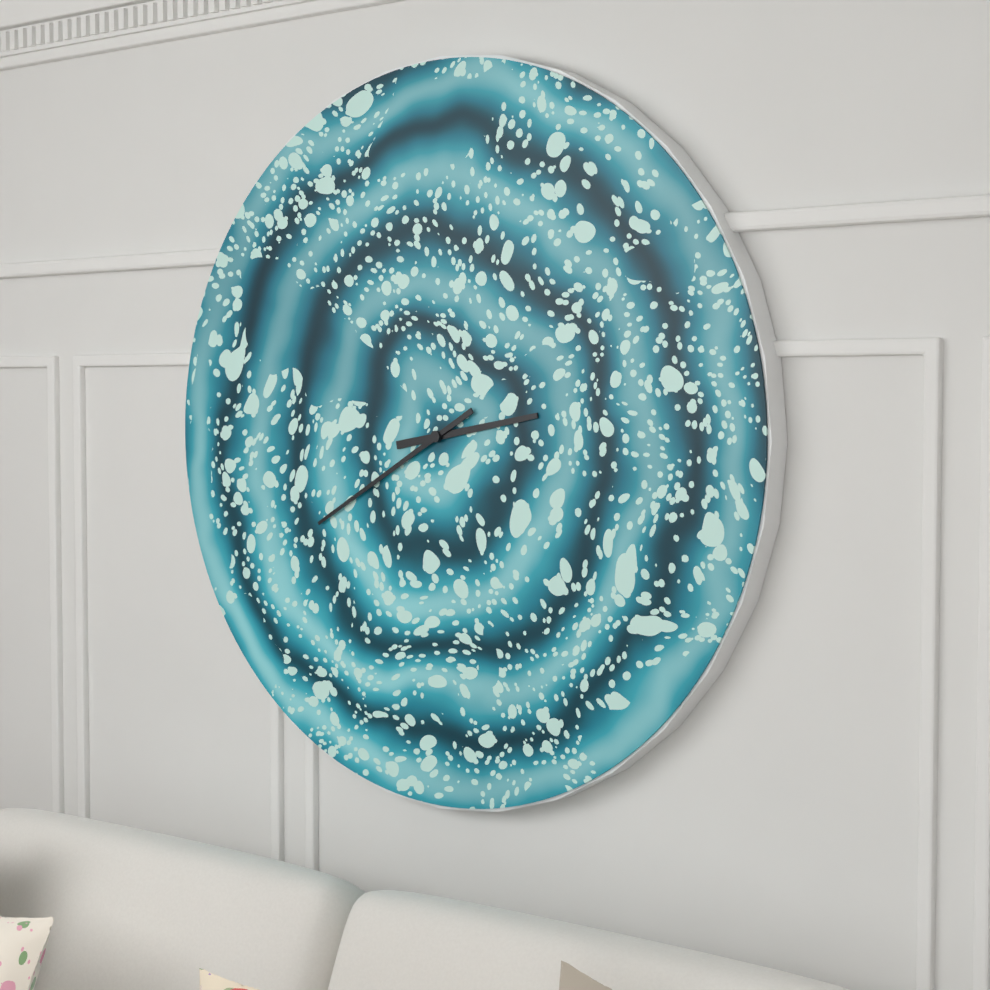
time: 2:40
